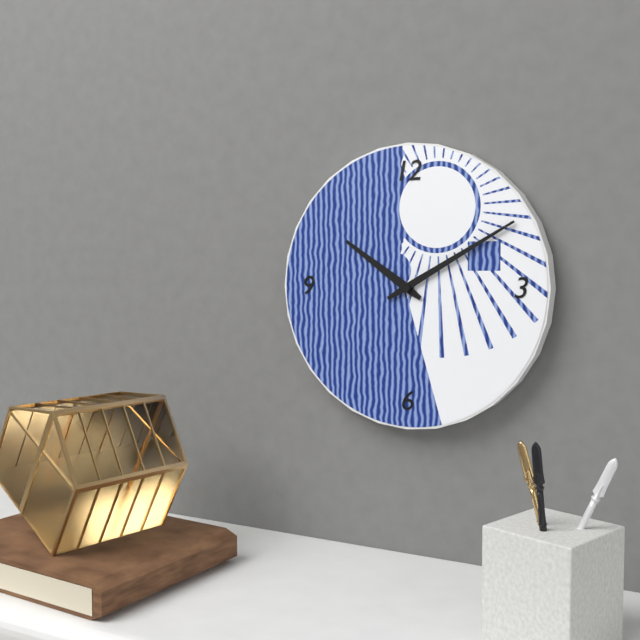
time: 10:10
